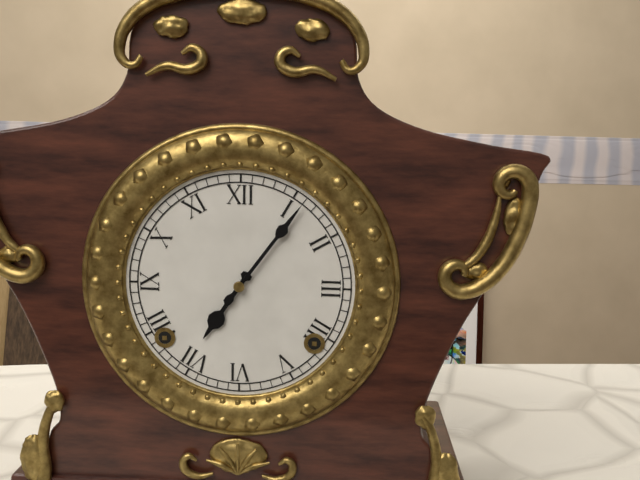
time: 7:06
